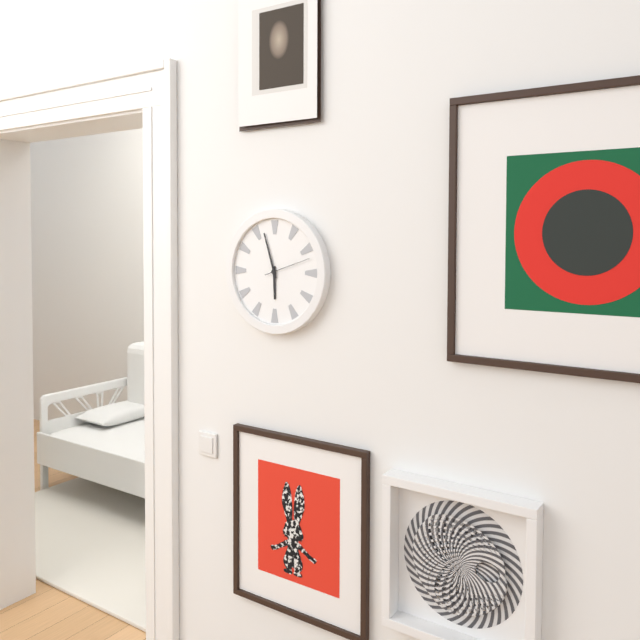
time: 5:57
